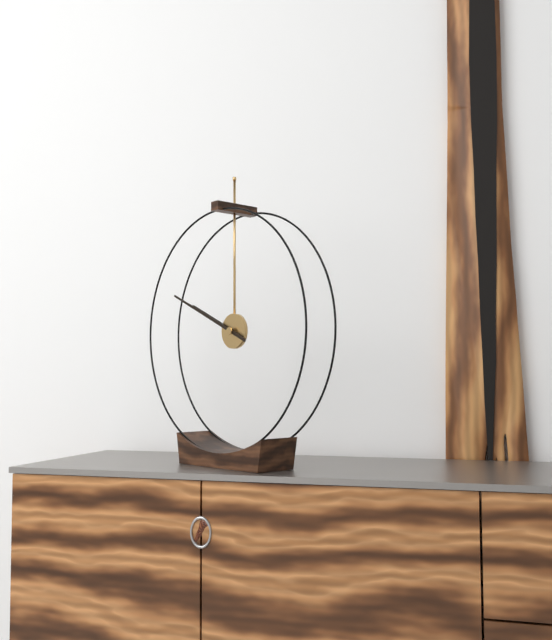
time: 9:49
